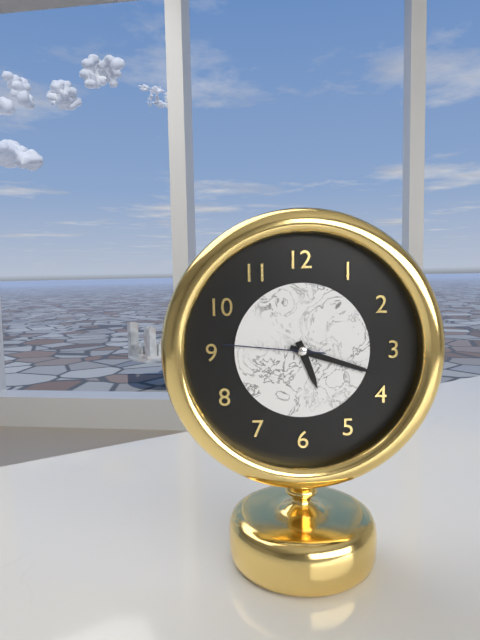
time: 5:18:46
